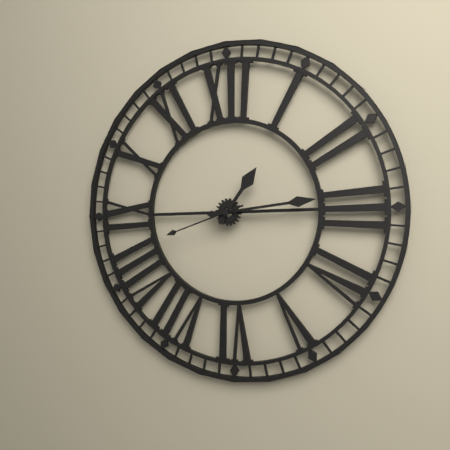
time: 1:14:42
